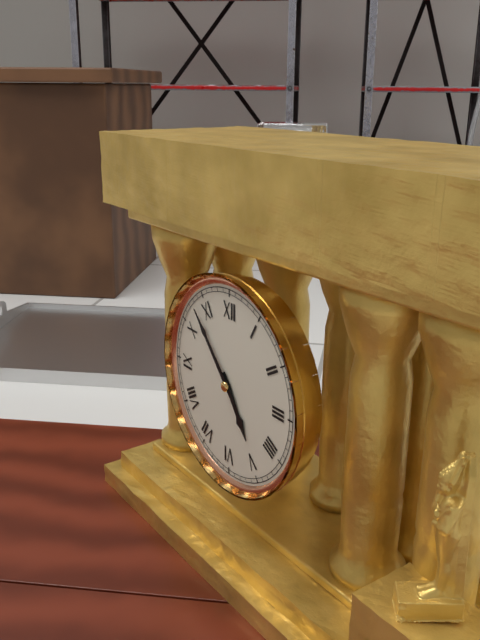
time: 4:53
